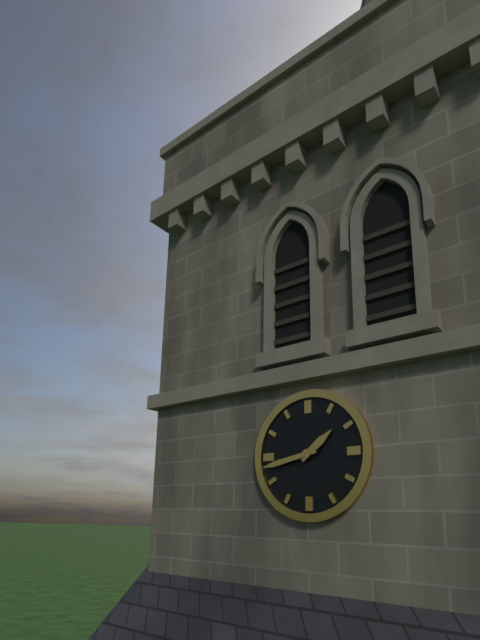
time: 1:43
